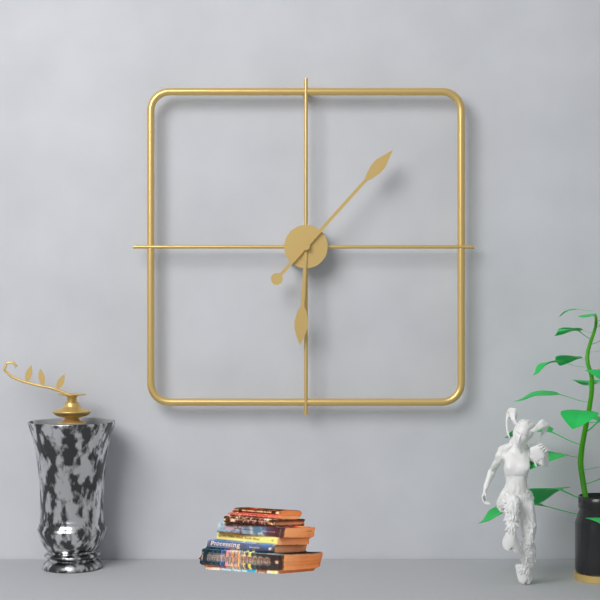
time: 6:07
